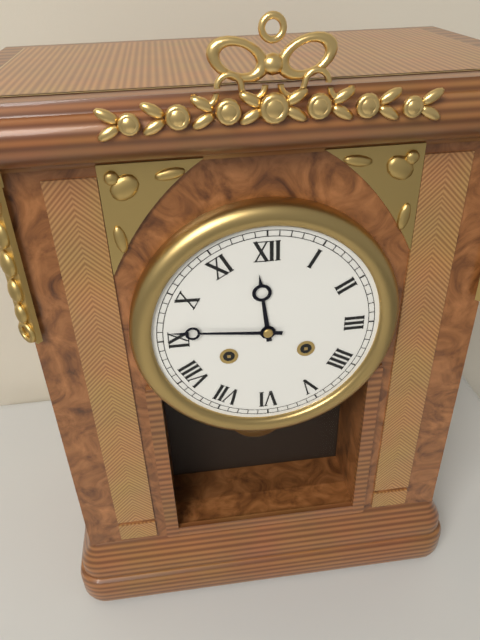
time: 11:46
